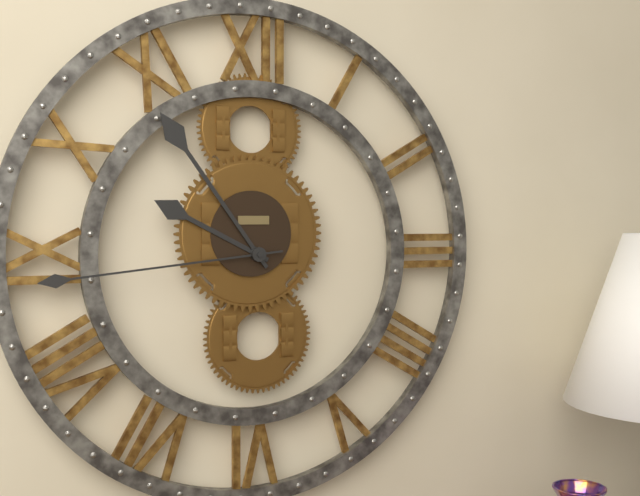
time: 9:54:44
